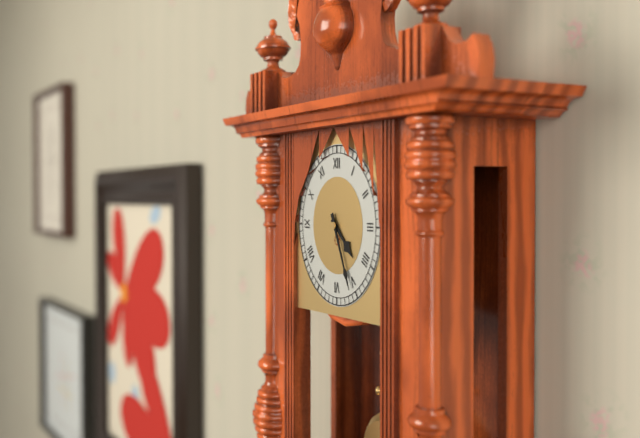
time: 4:26
